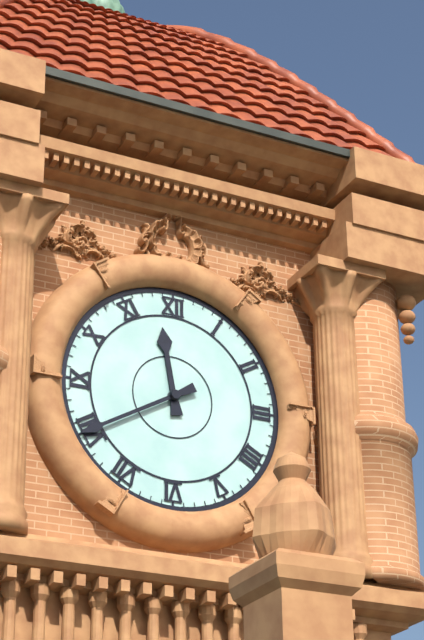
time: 11:40
